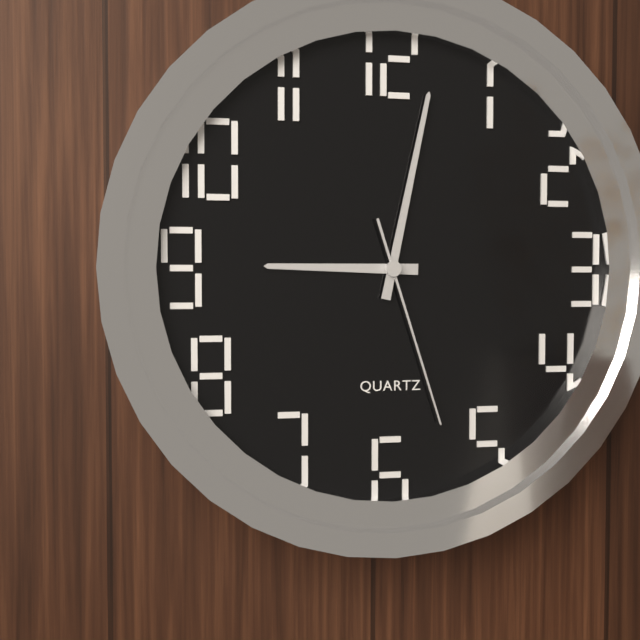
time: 9:02:27
